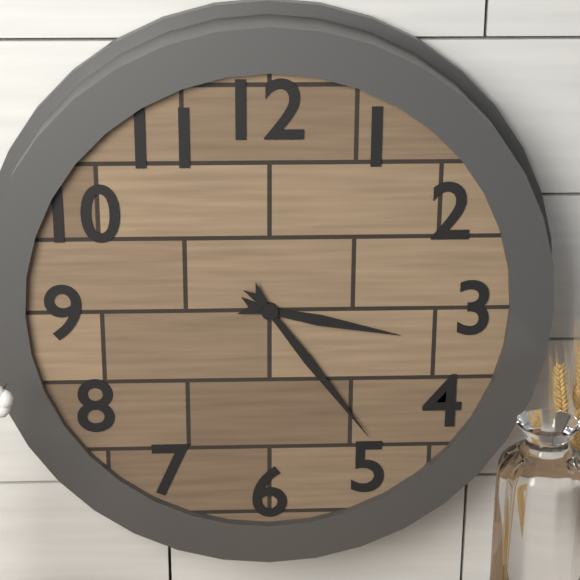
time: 3:24
